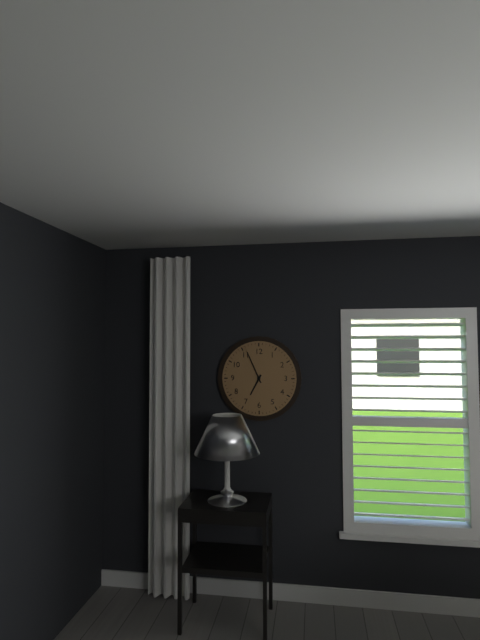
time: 6:56
